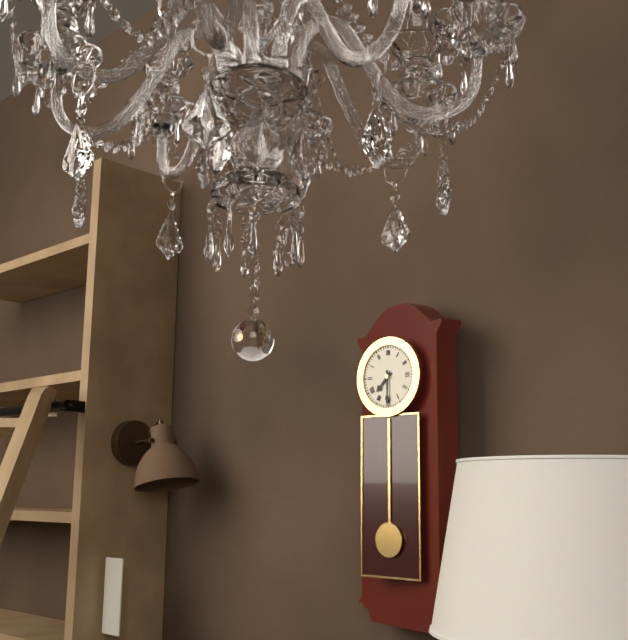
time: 7:30
